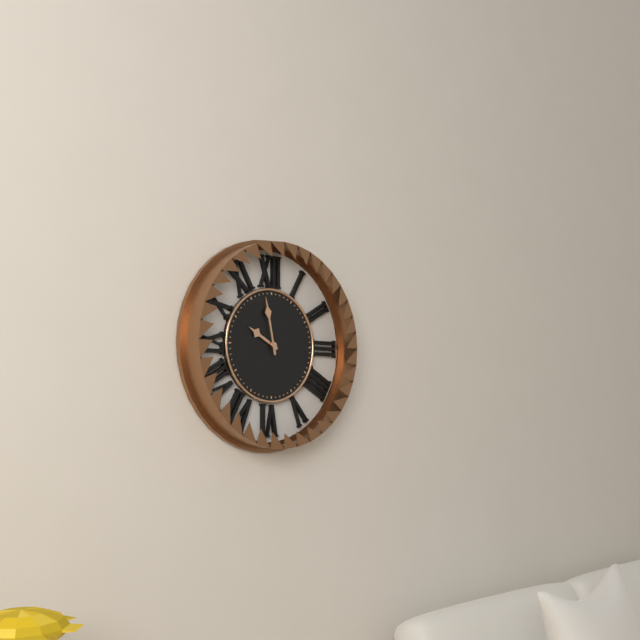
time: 9:58
